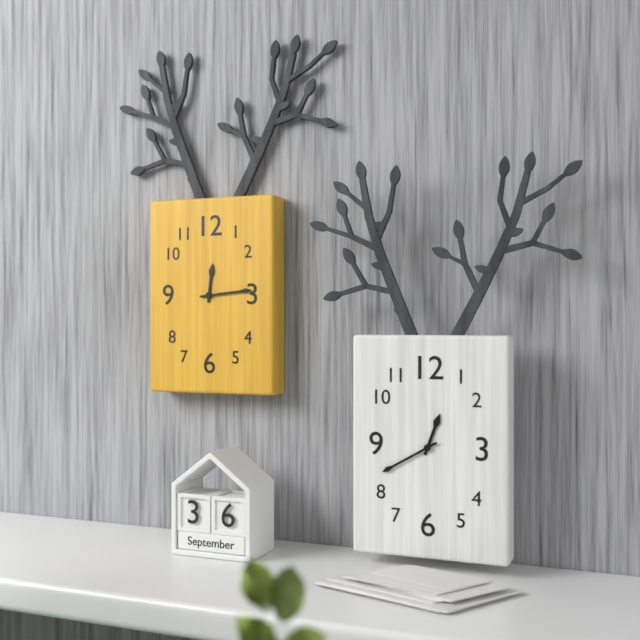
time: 12:14
